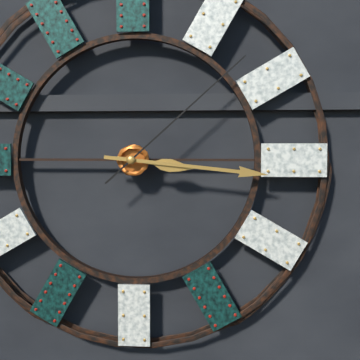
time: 3:16:08
